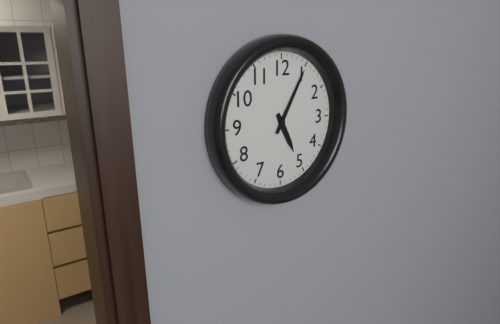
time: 5:05
